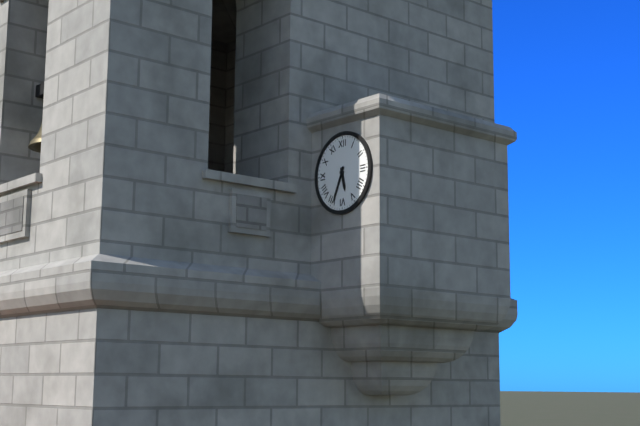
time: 5:34
